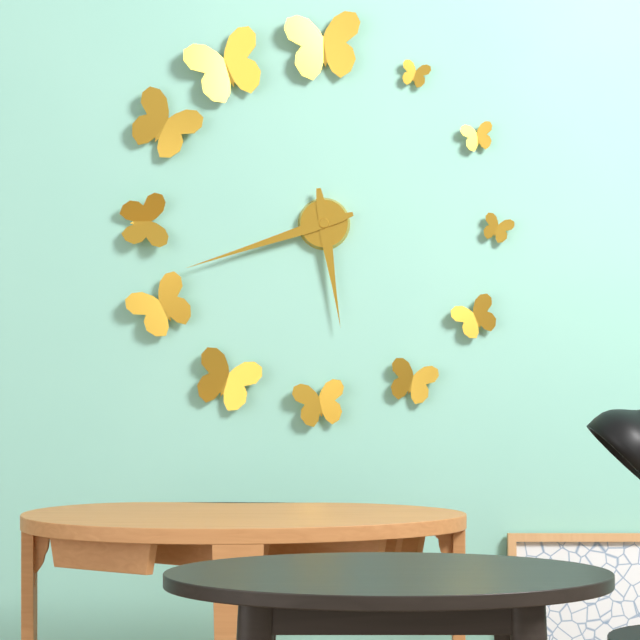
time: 5:42
